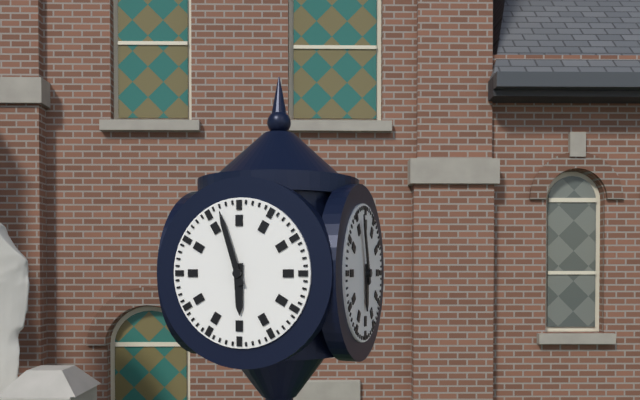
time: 5:57
